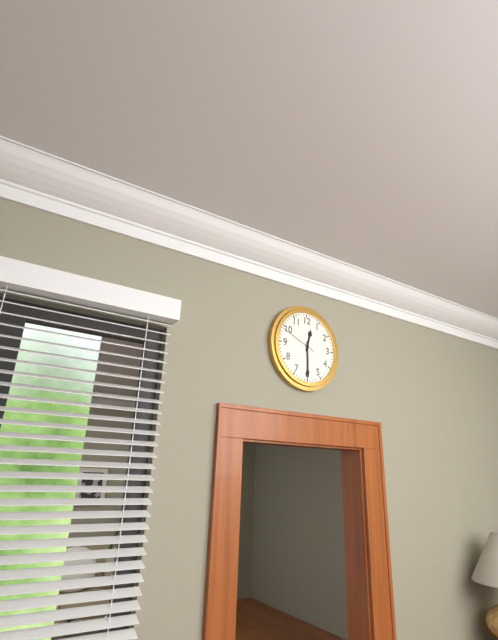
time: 12:30
